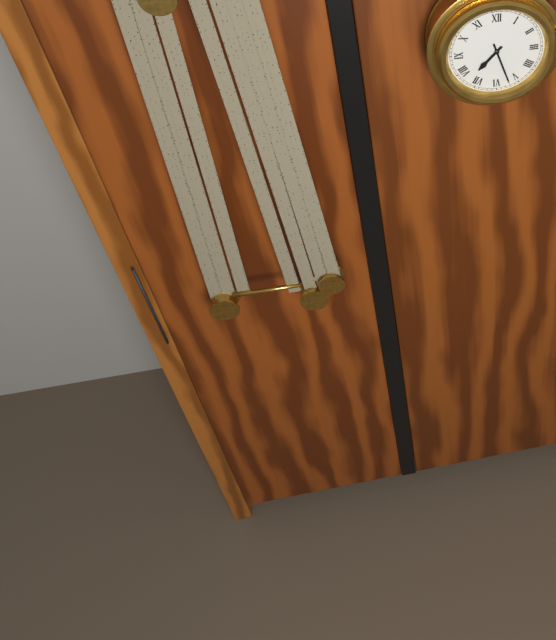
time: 7:27
